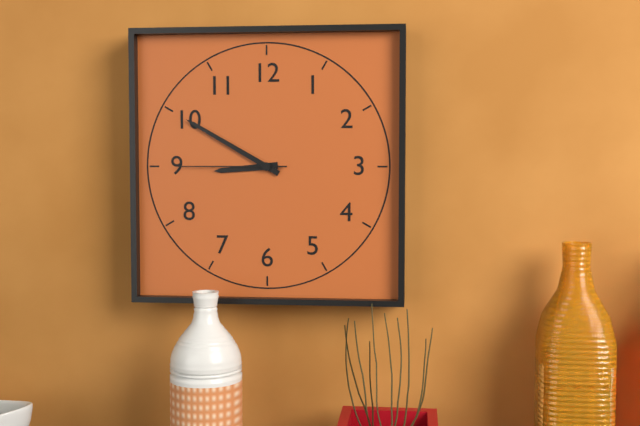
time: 8:50:45
